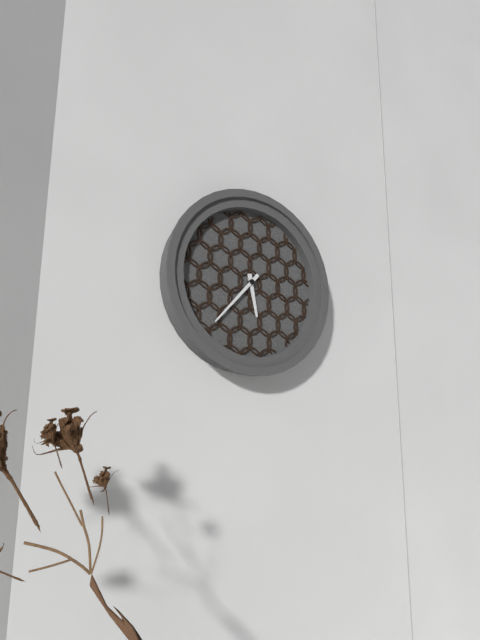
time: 5:37
